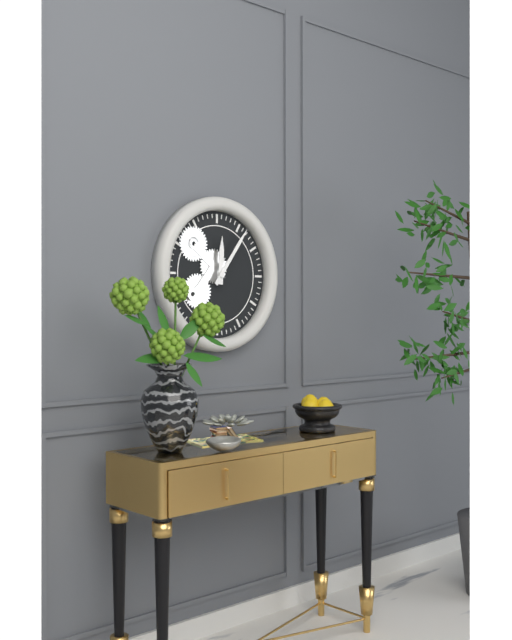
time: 12:06
